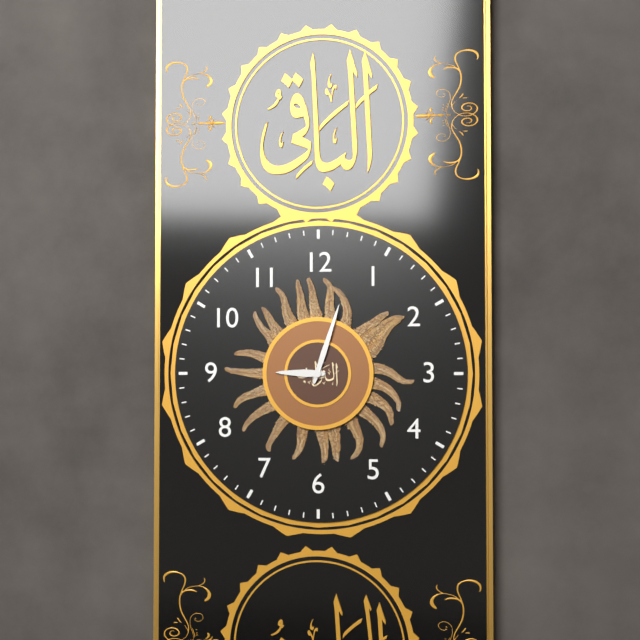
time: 9:03
